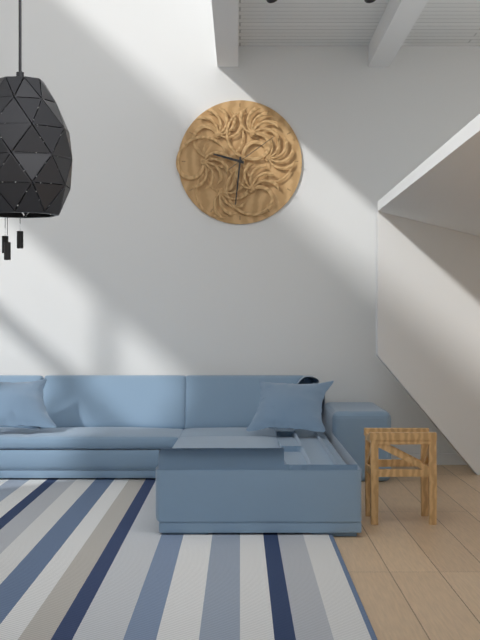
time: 9:31:09
